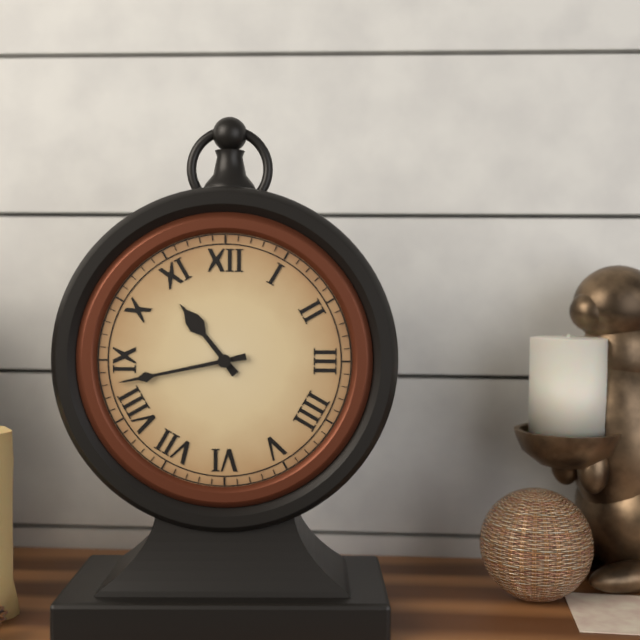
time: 10:43
